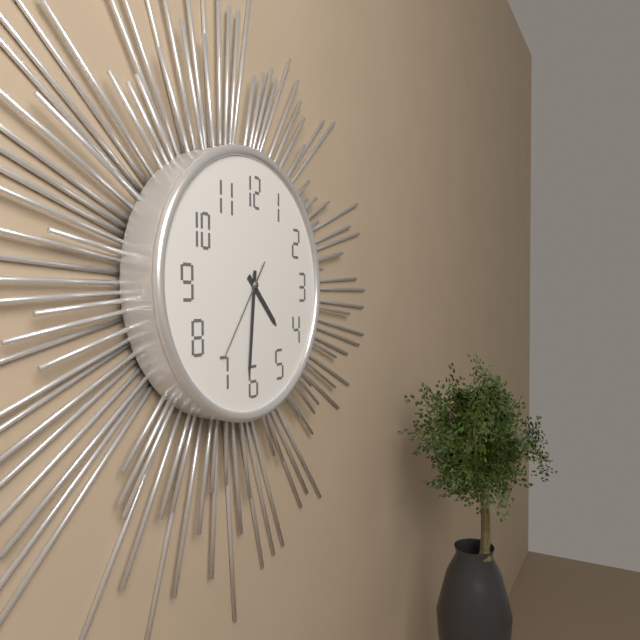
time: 4:31:36
